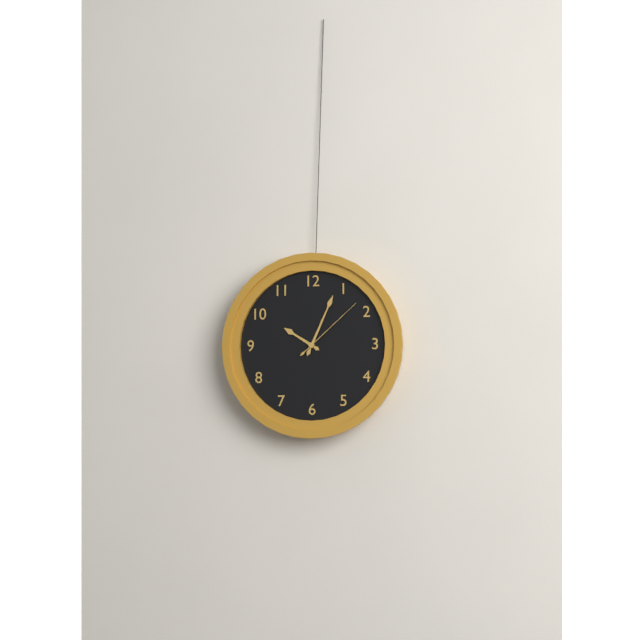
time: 10:04:08
